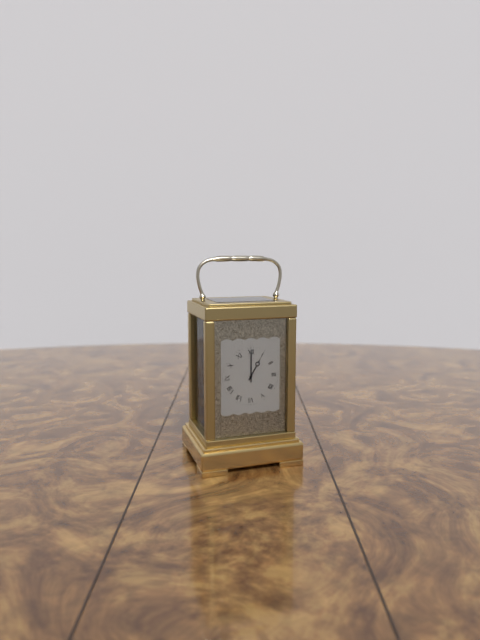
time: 1:00
